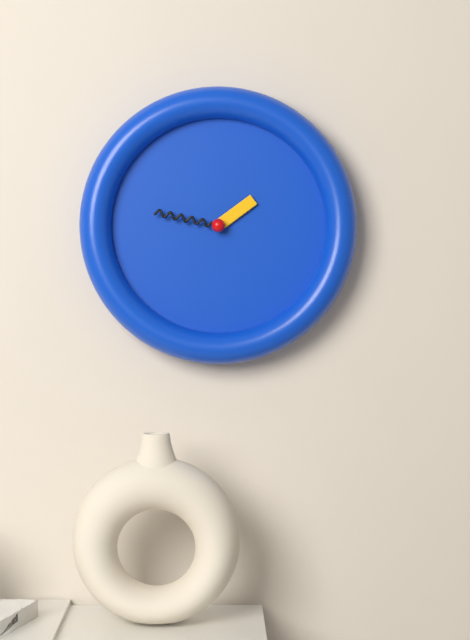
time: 1:47
